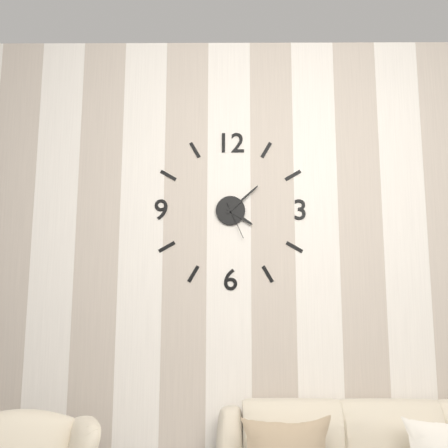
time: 4:08
